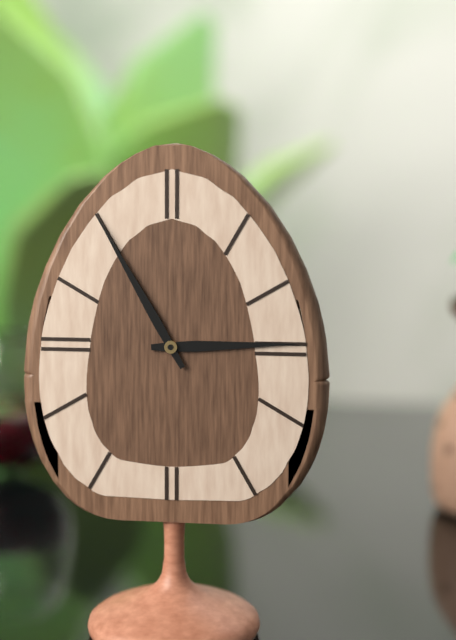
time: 2:55
